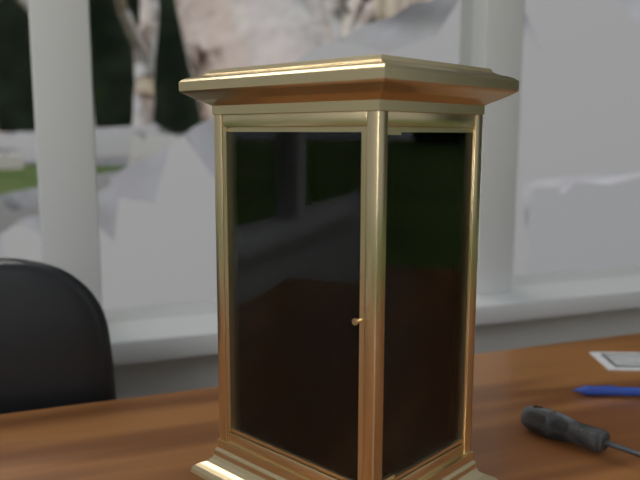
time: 3:23
